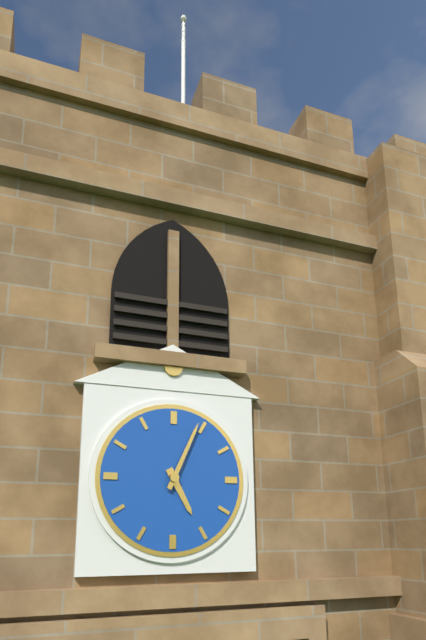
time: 5:04
